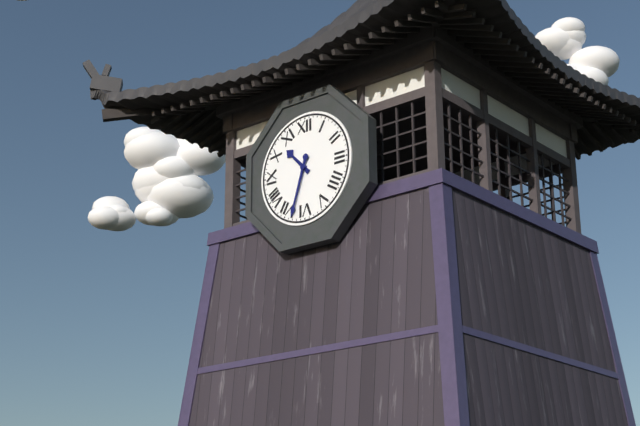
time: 10:33
